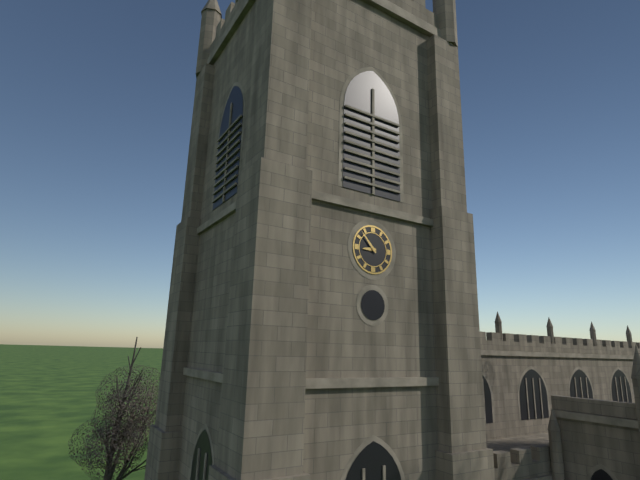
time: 8:53
